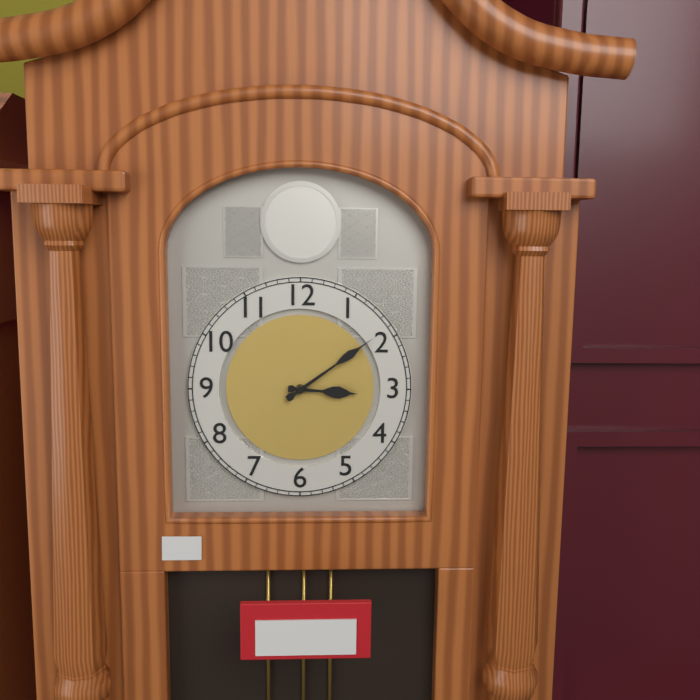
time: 3:09
